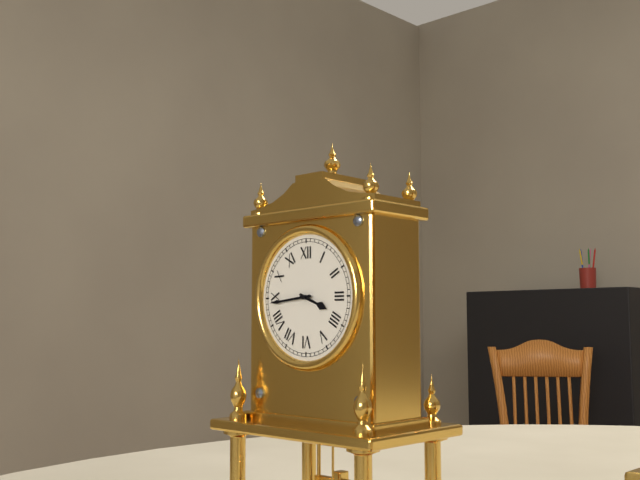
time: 3:44
